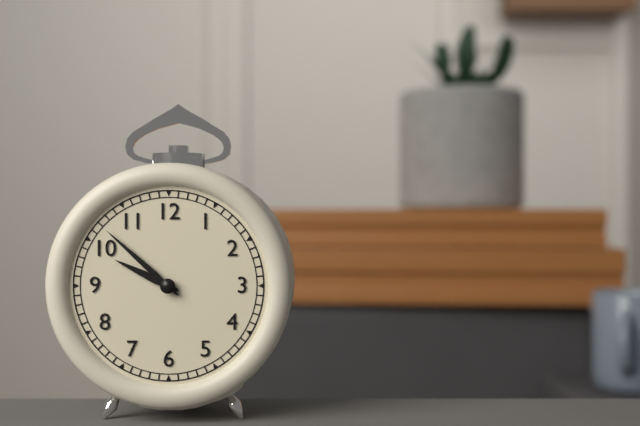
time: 9:52
